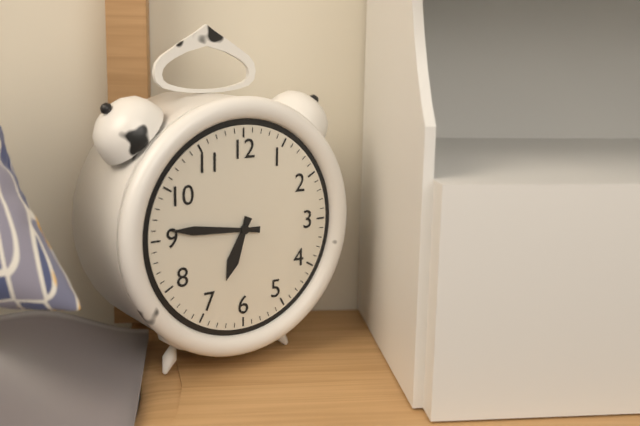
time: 6:46
